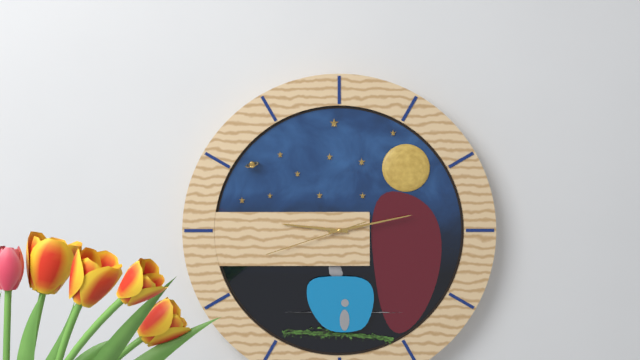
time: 9:13:42
